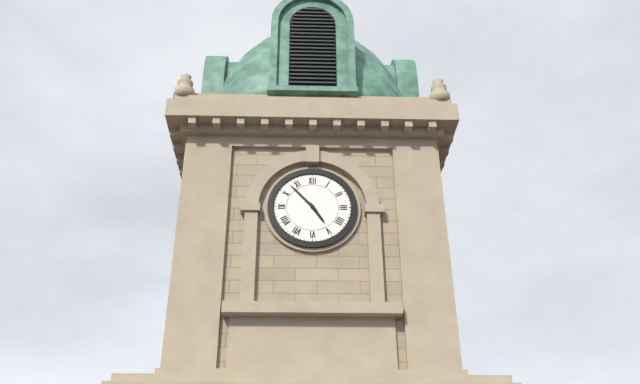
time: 4:53
